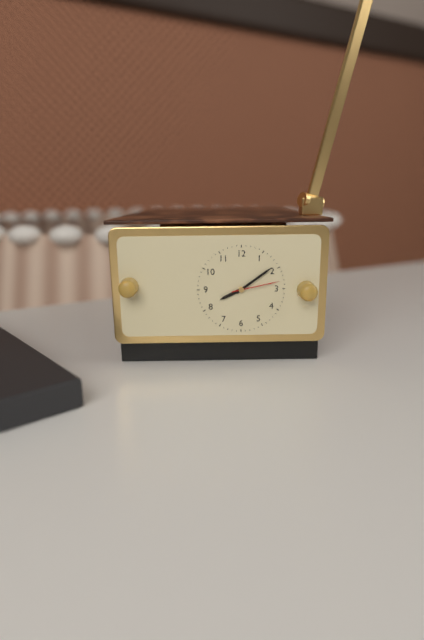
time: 8:09
